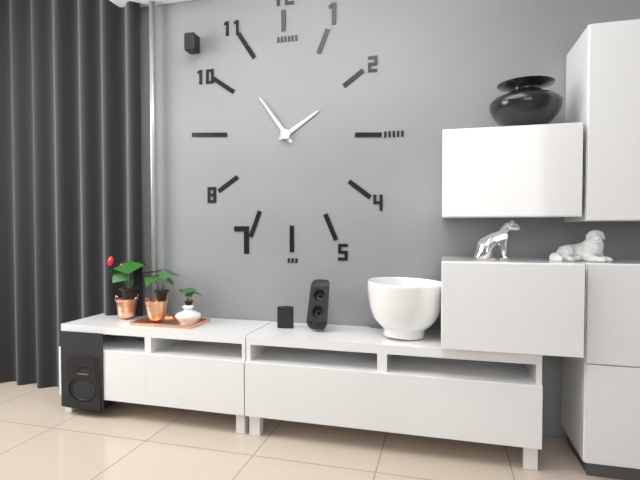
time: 1:54
